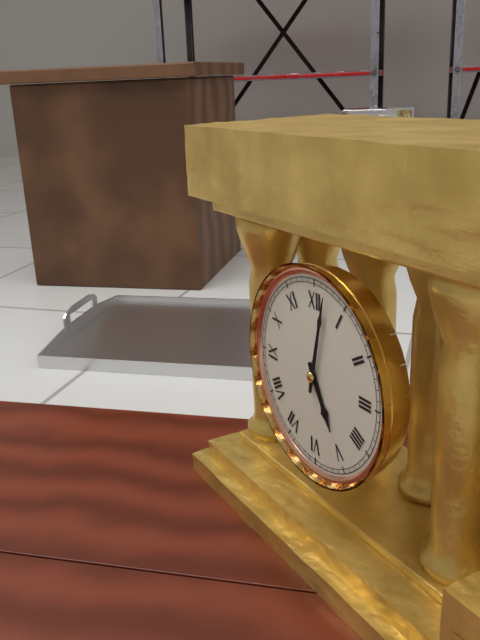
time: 5:02
